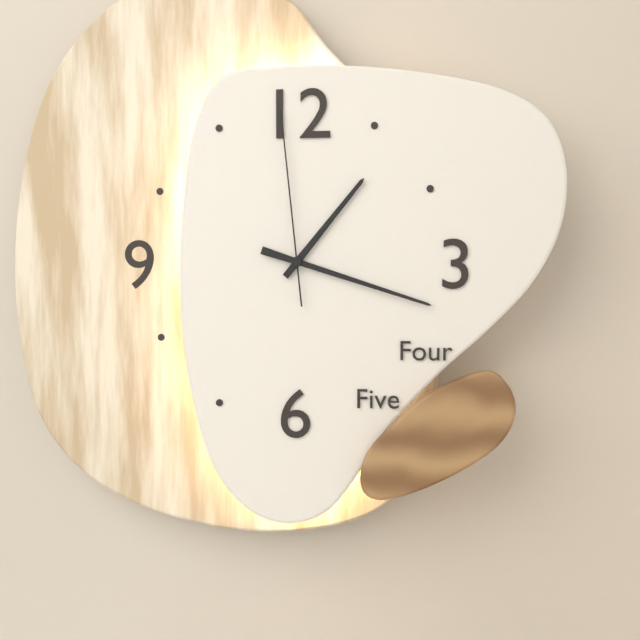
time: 1:18:59
